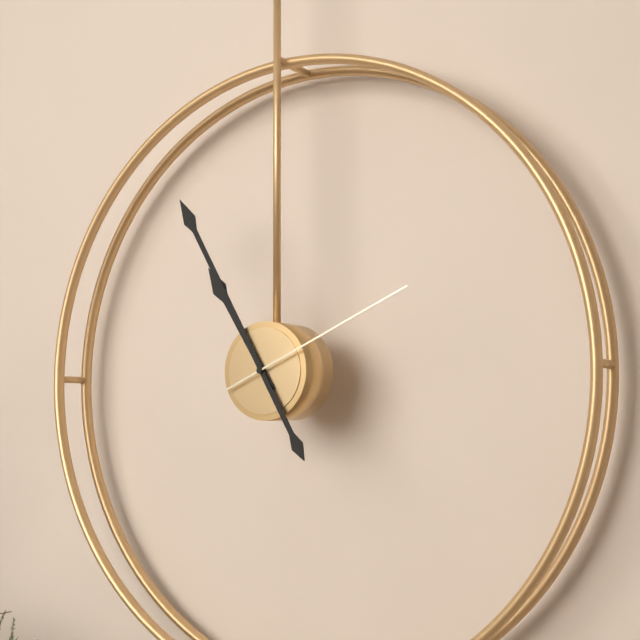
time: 10:55:11
